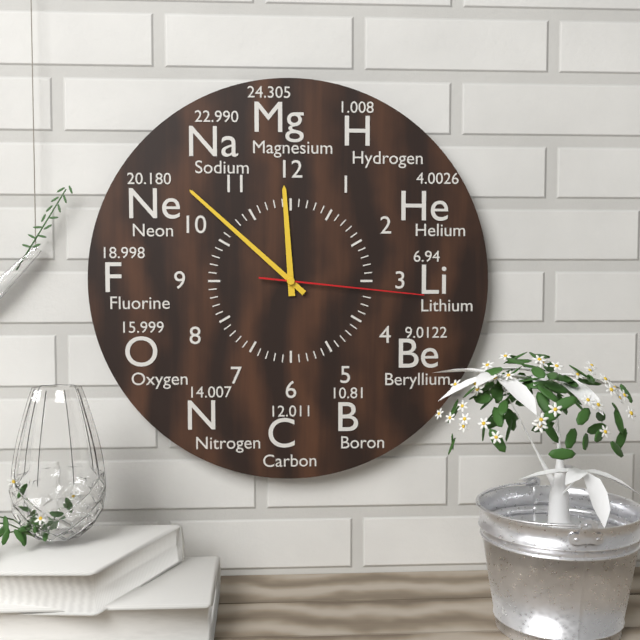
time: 11:52:16
